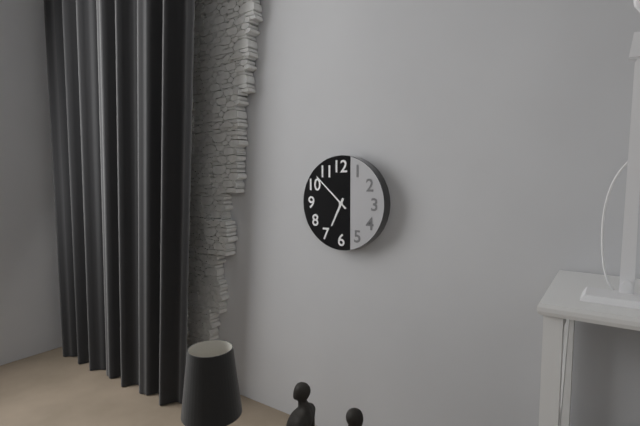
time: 6:52
